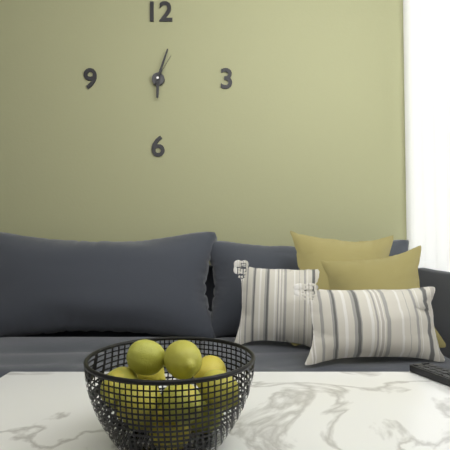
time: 6:03
